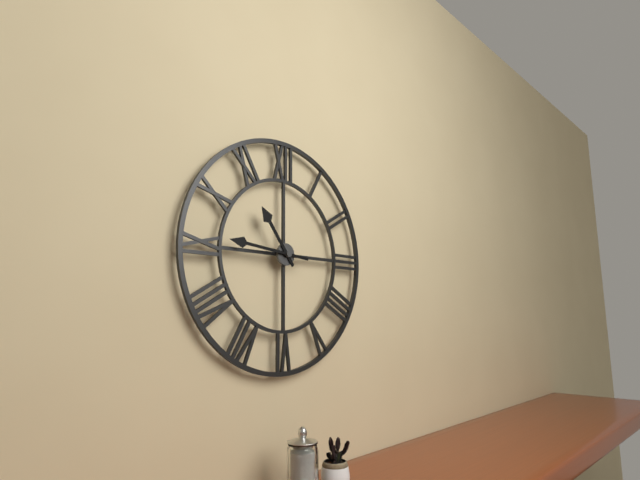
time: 10:46
